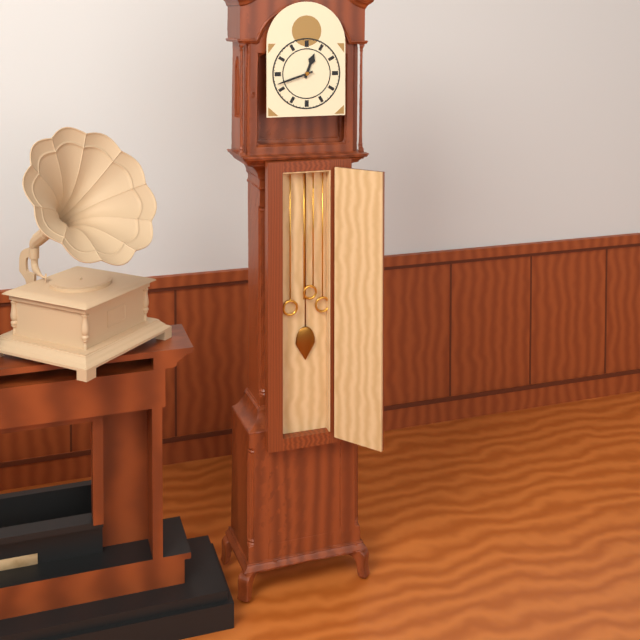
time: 12:42
